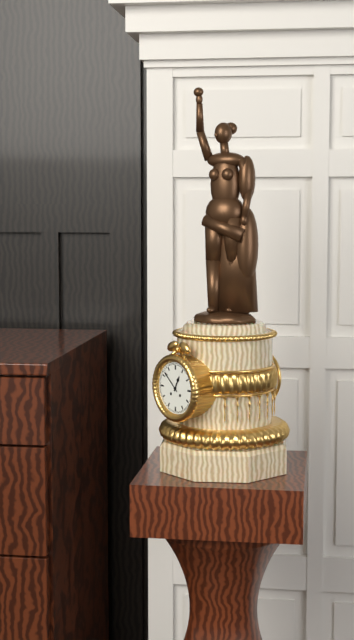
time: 12:52
